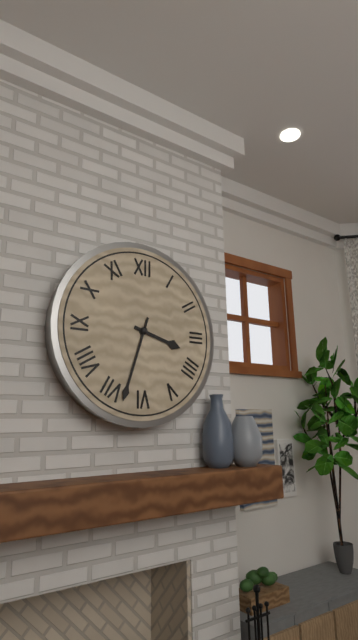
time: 3:33
